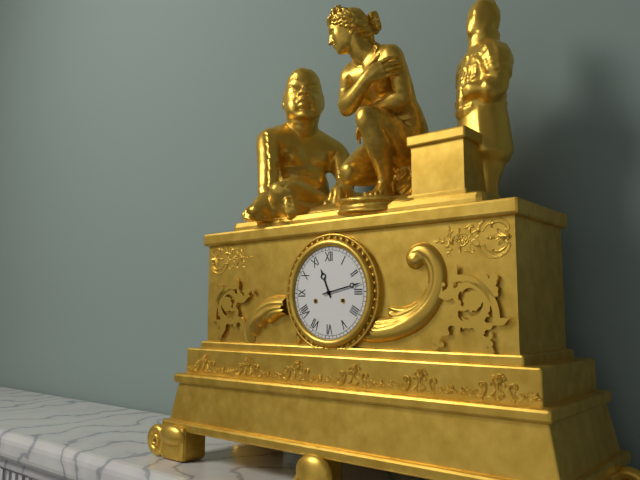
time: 11:13
